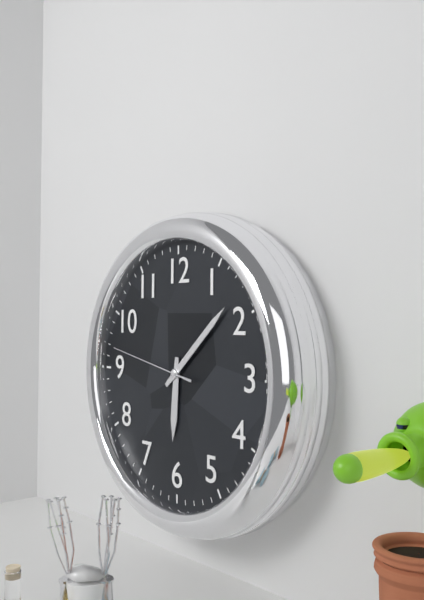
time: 6:08:47
